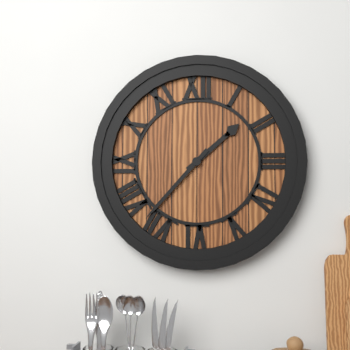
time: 1:37
